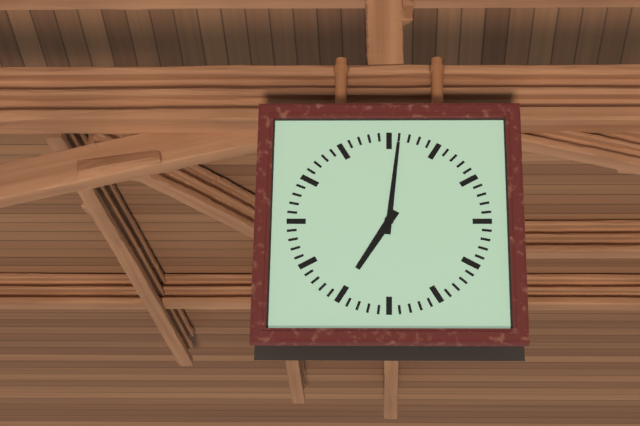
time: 7:01
